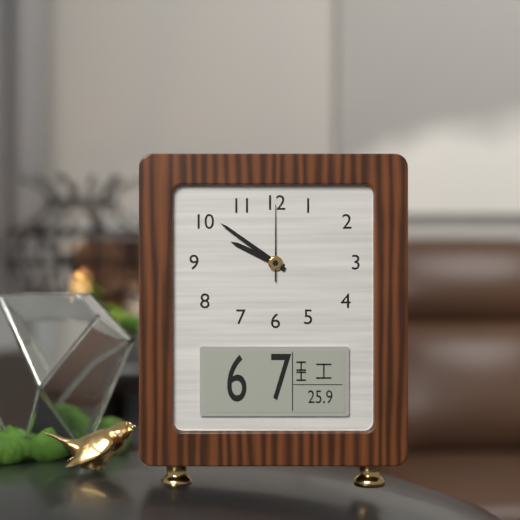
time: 9:51:00
